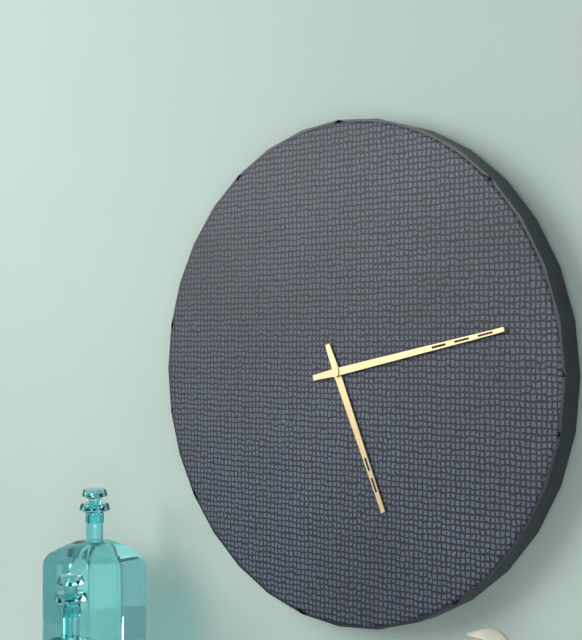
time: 5:13
